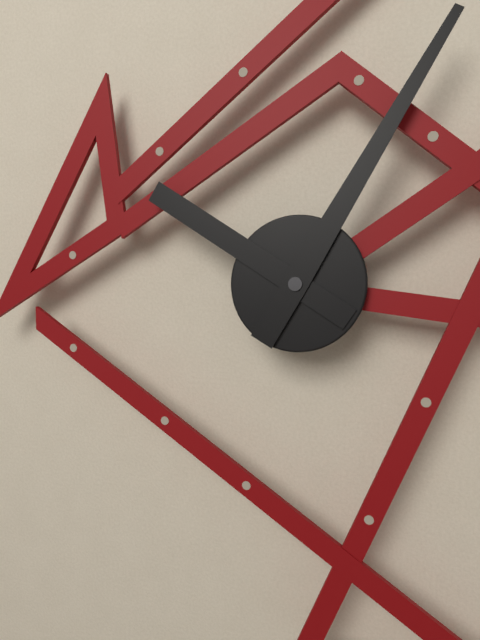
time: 10:05
